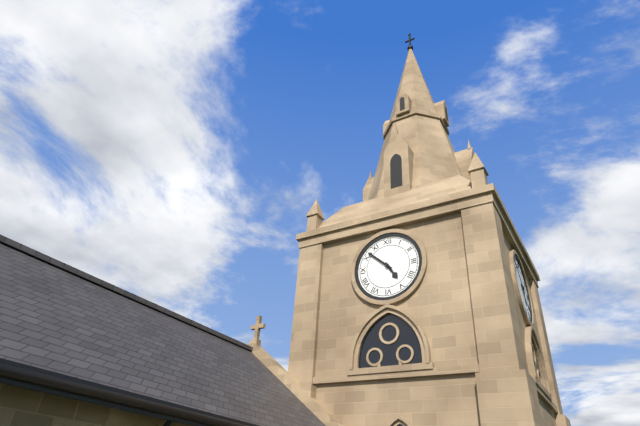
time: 4:52
